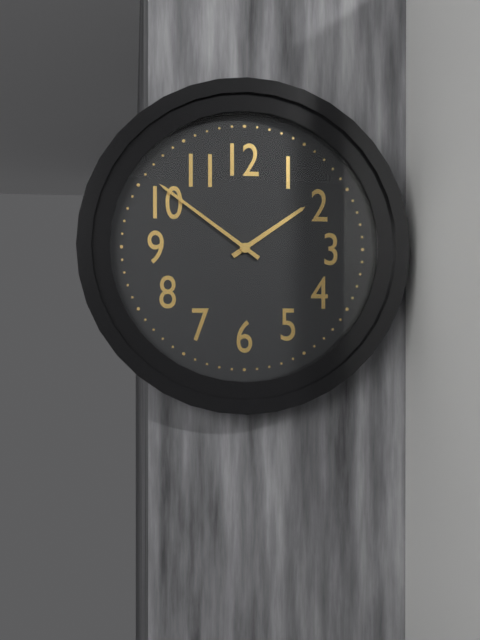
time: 1:51
